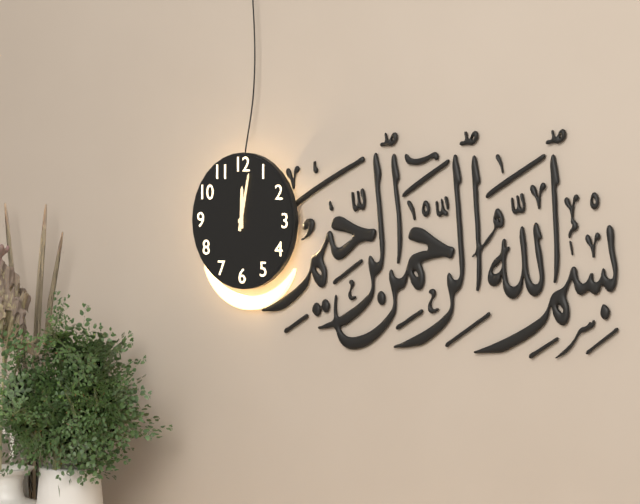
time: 12:02
